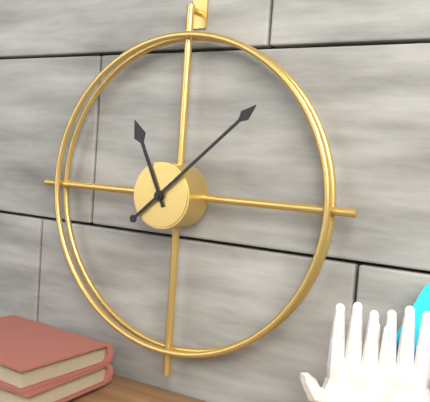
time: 11:08
